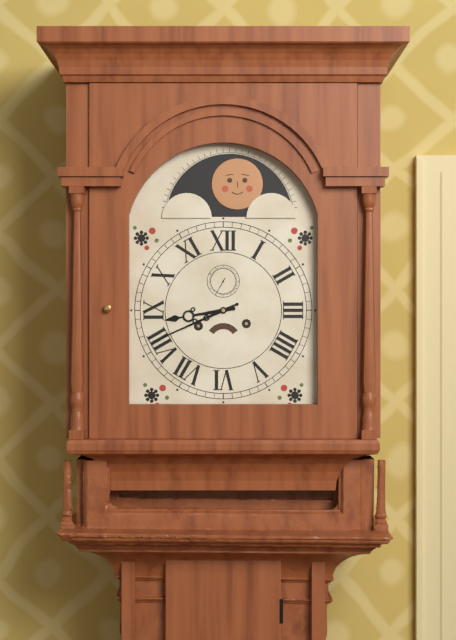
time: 8:41
